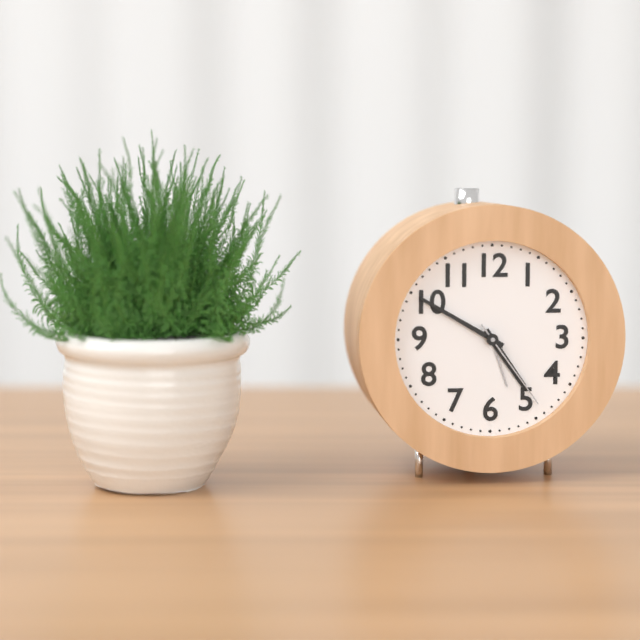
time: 4:50:24
